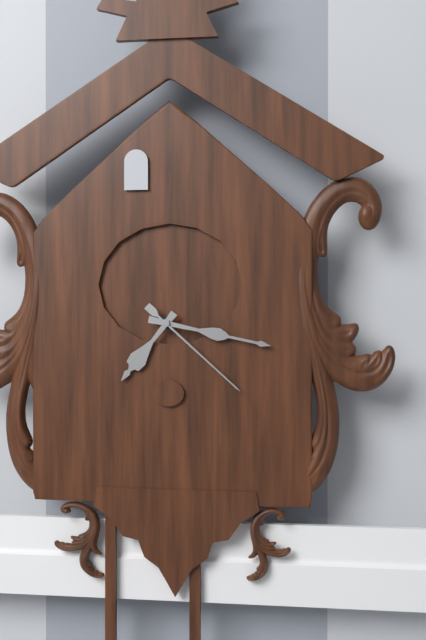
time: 7:17:22
